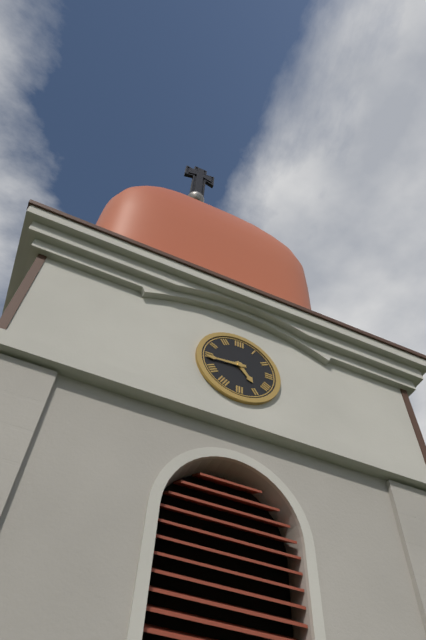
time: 4:44
